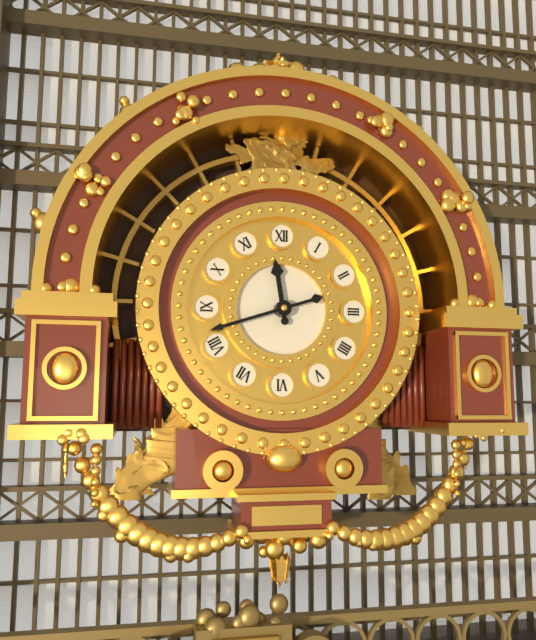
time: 11:42
